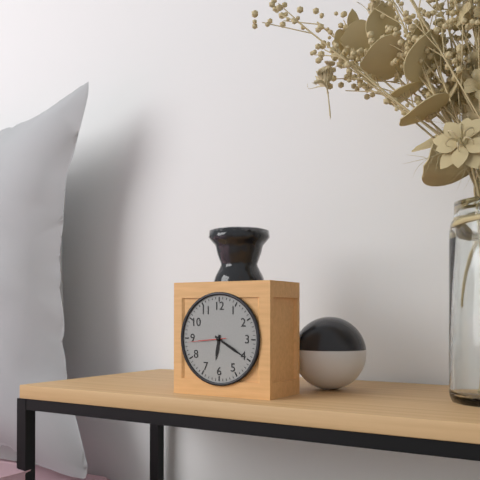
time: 6:20
